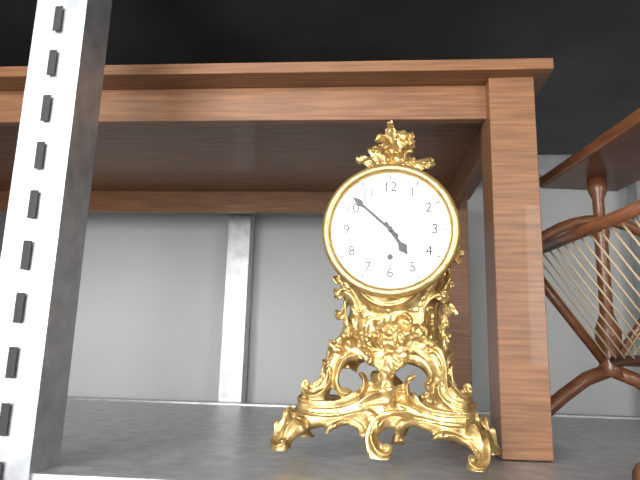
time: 4:52
